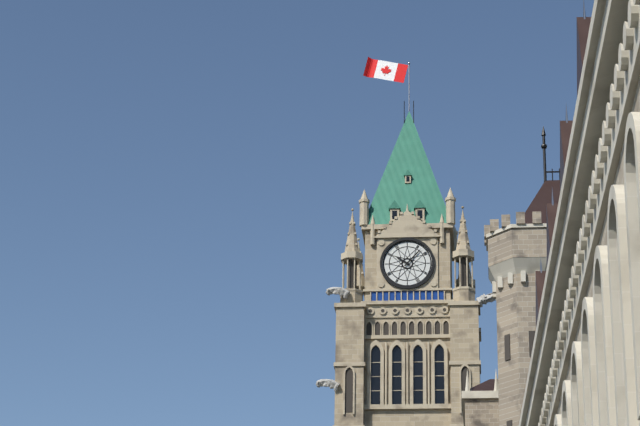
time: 10:07
